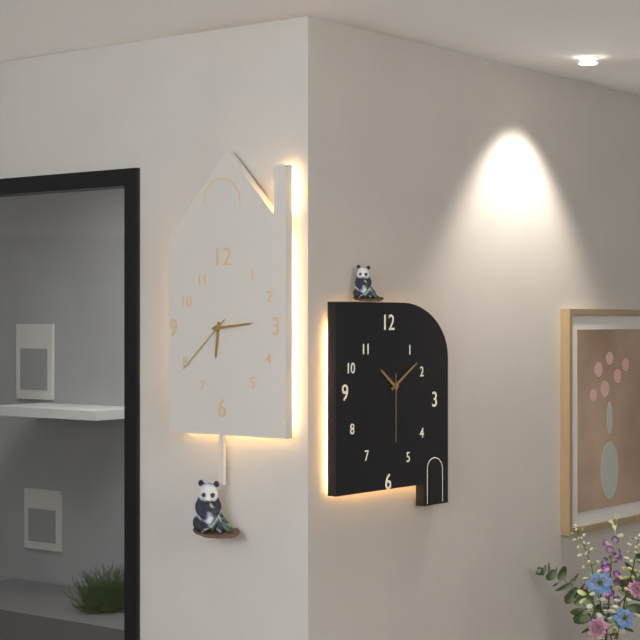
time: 6:14:38
